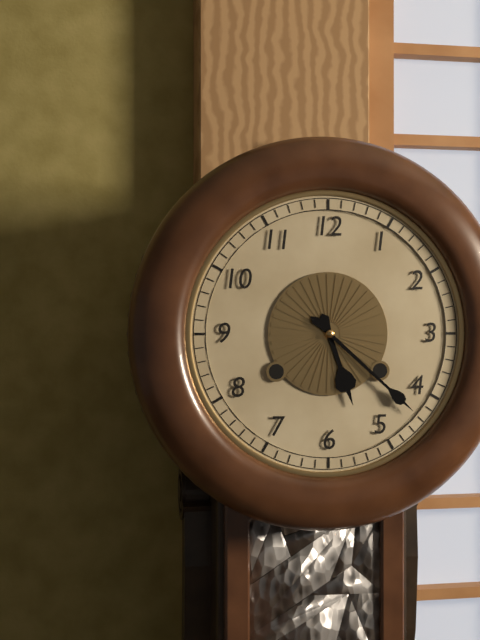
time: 5:22
